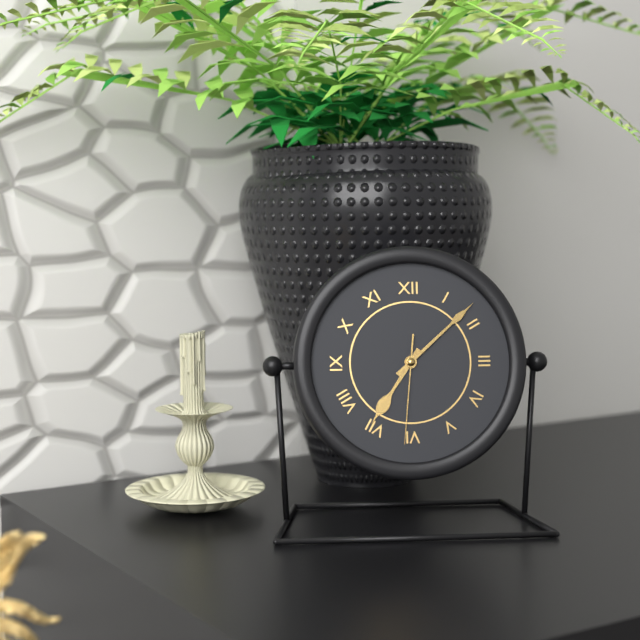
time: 7:08:31
